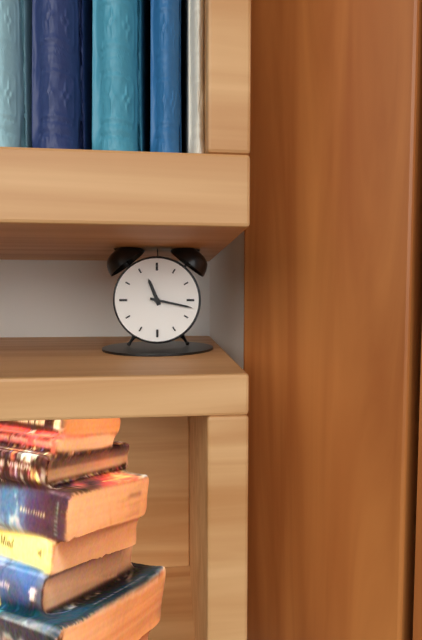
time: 11:17
